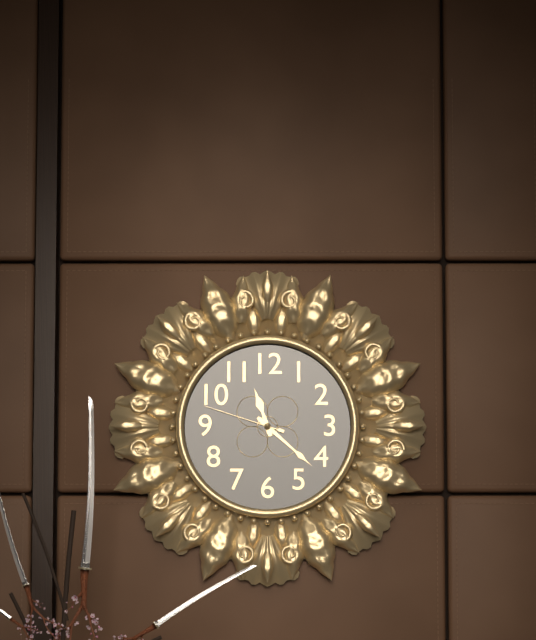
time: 11:22:48
